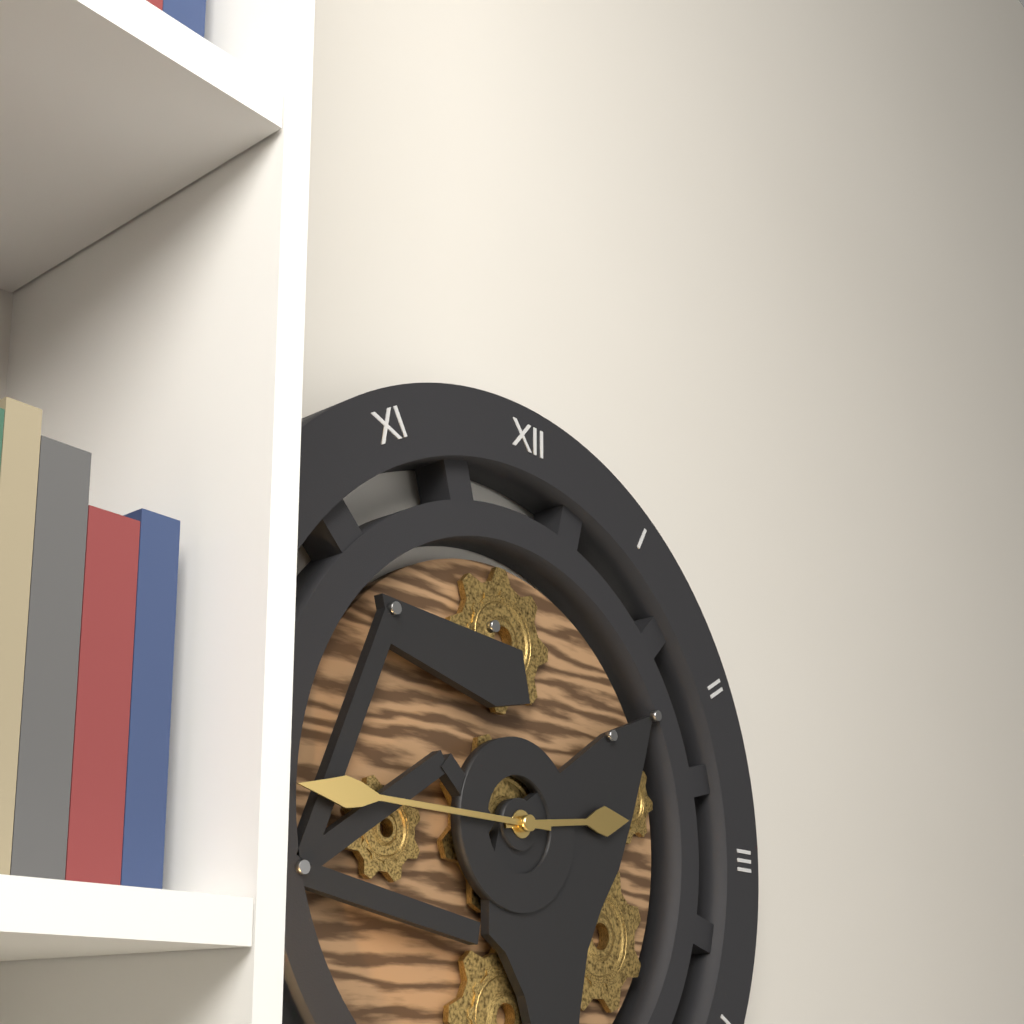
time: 2:45
